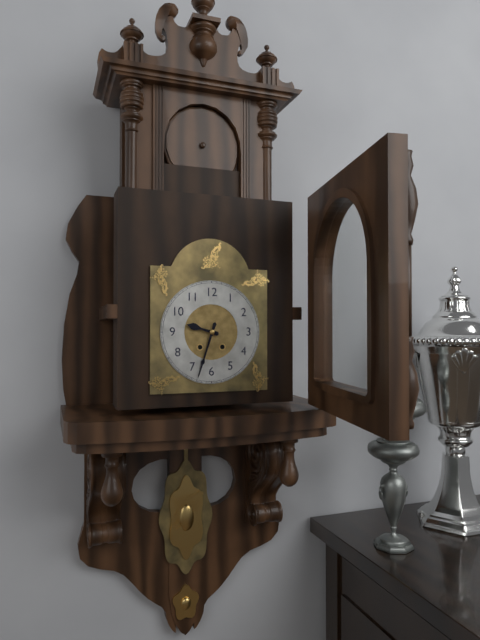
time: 9:33
